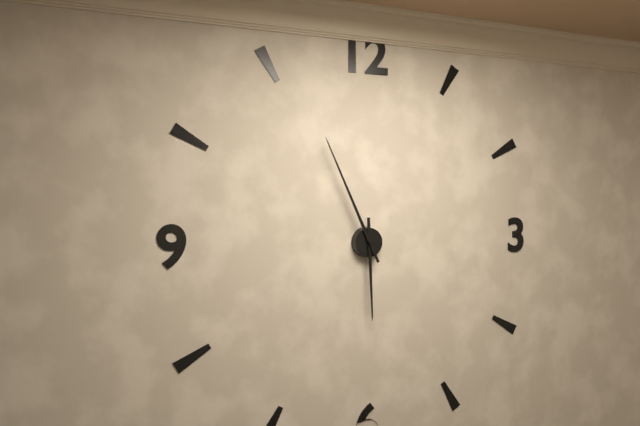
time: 5:56
